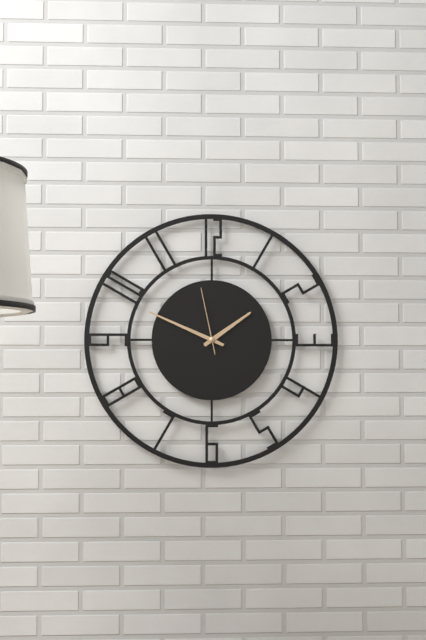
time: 1:49:58
